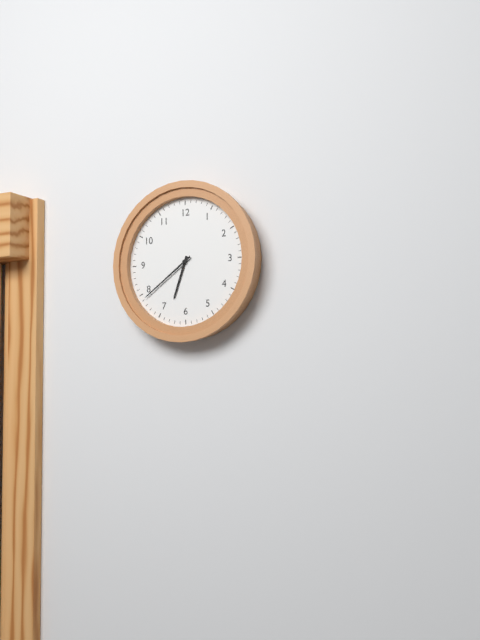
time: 6:39
